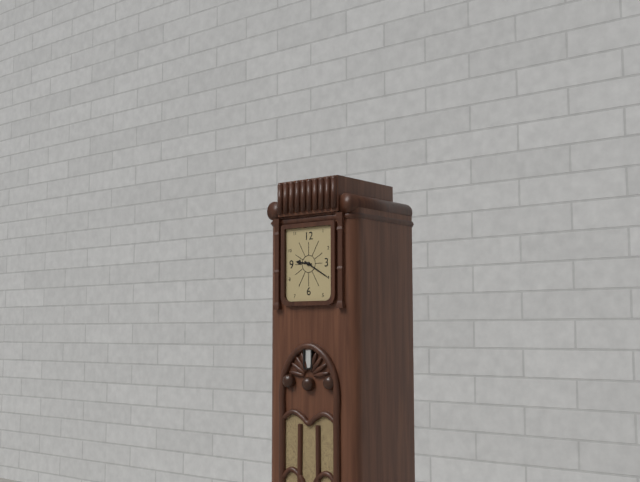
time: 9:20
